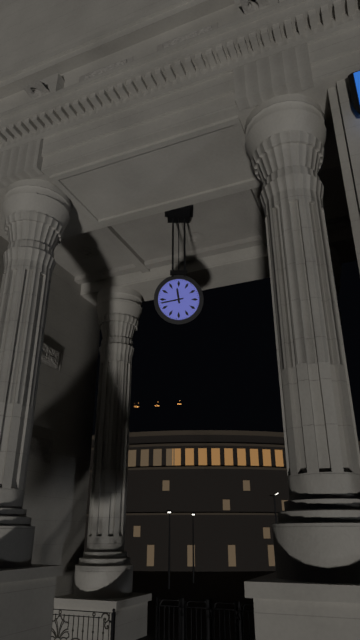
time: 11:43
